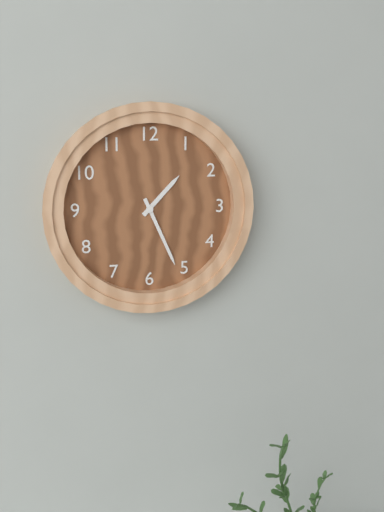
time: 1:26
